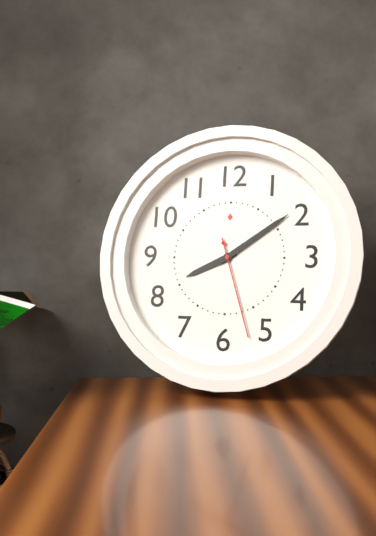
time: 8:09:27
